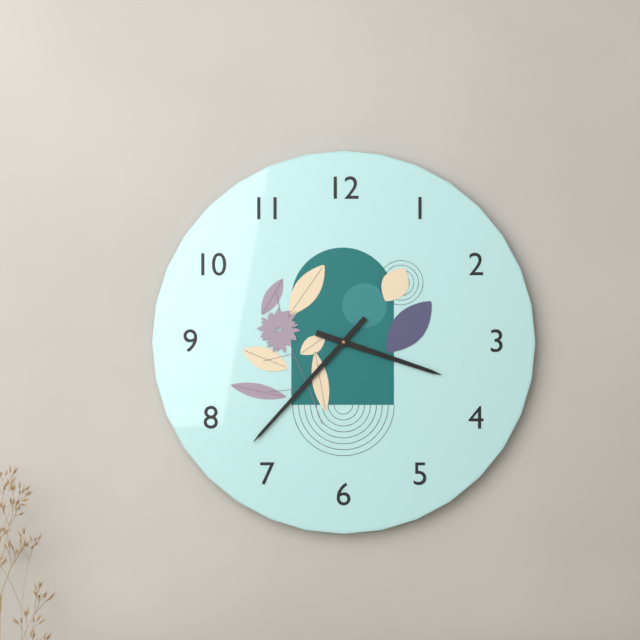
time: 3:37
